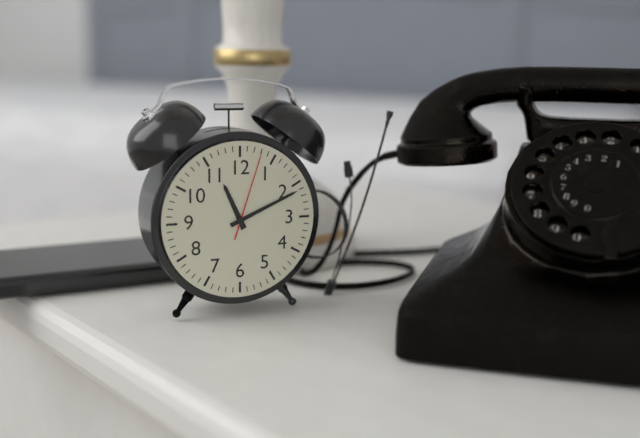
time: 11:11:03
